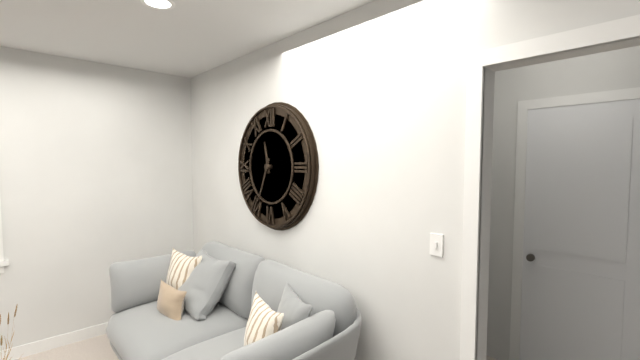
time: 11:34
